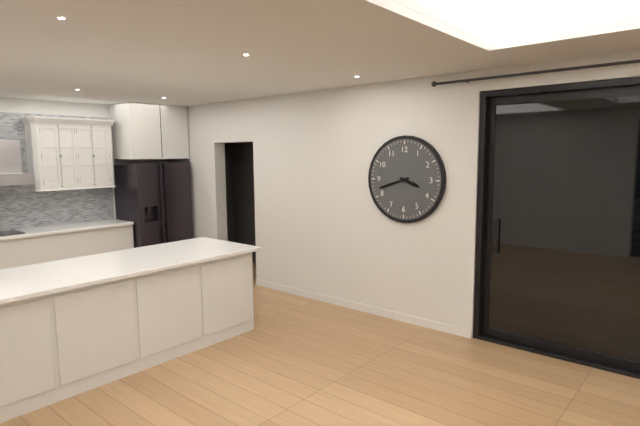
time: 3:42
